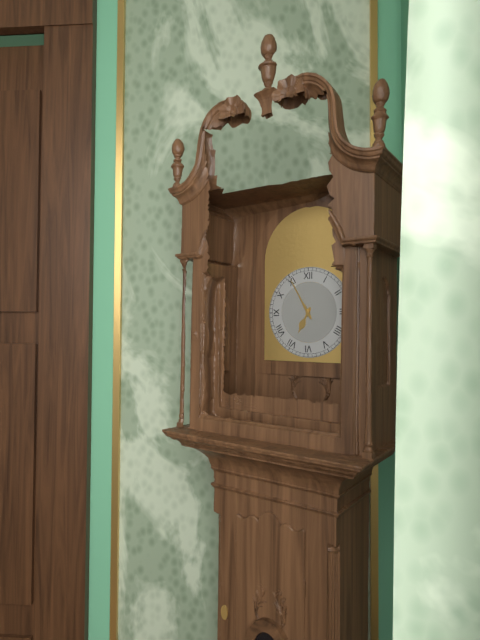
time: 6:55
